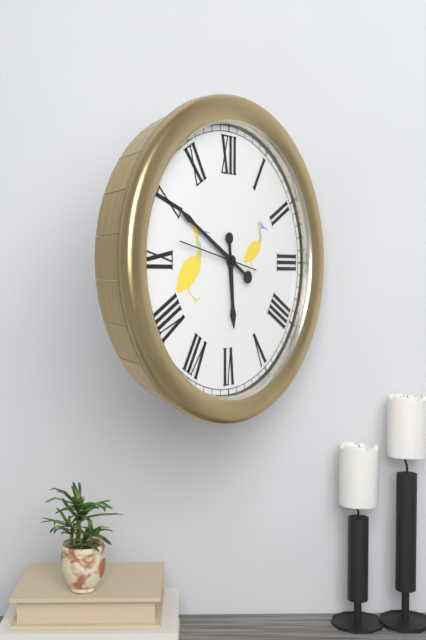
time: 5:50:47
